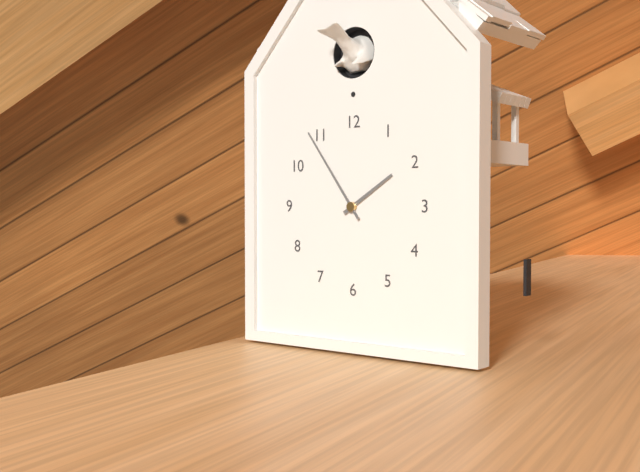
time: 1:54
